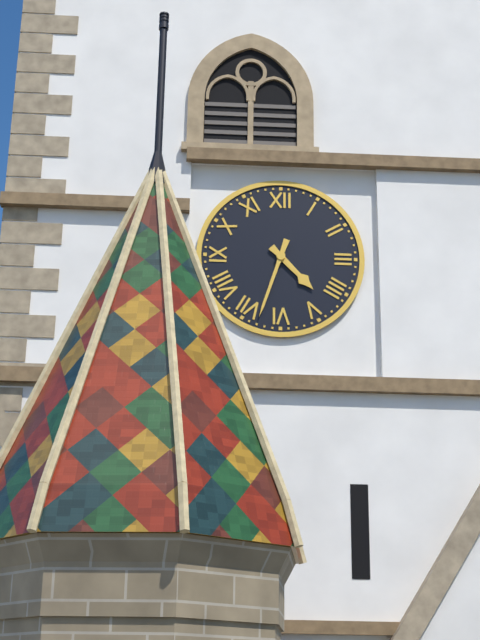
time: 4:33
